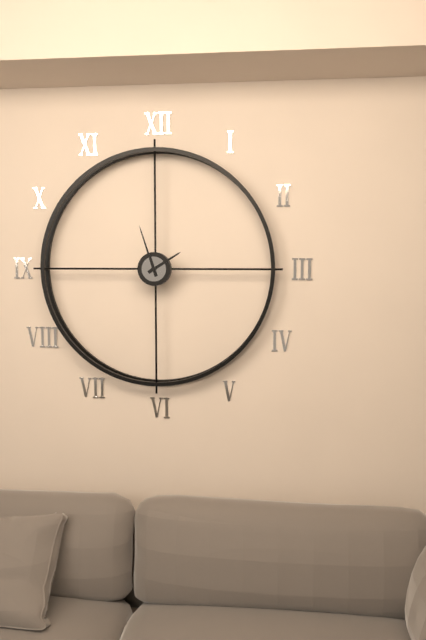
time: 1:57
